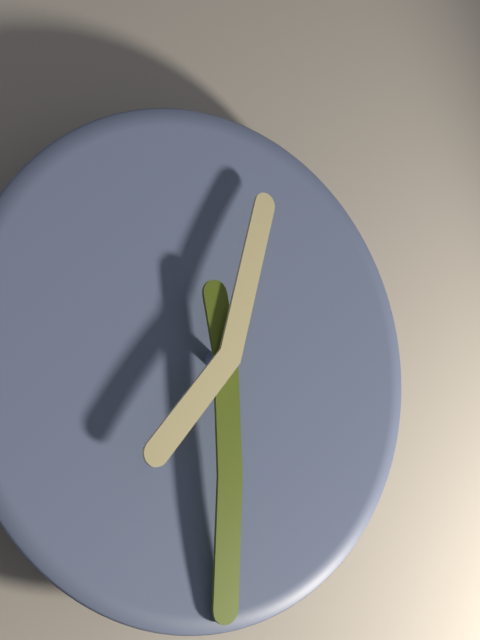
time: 12:30
